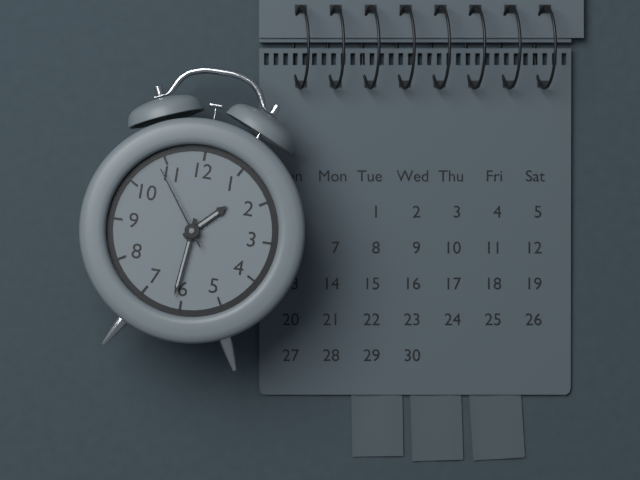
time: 1:31:54
